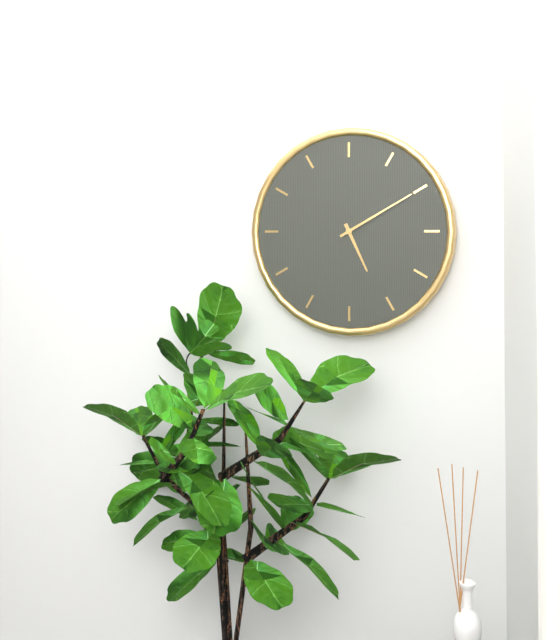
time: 5:10
